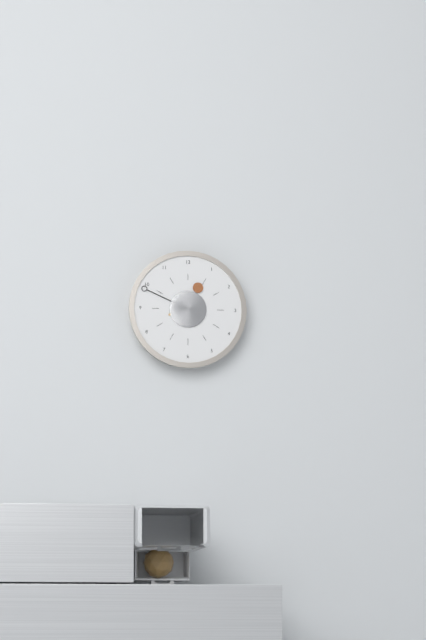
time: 12:49
